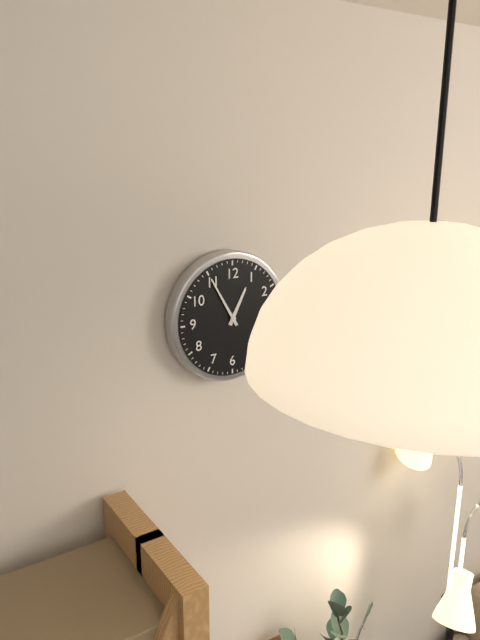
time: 12:55
